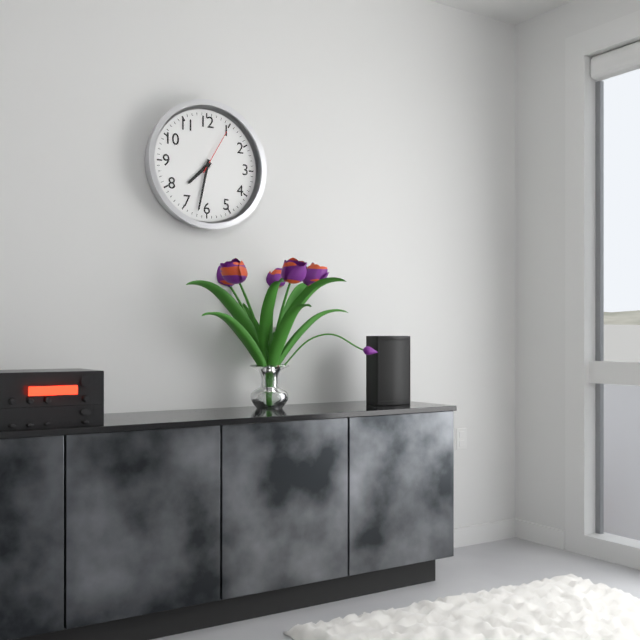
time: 7:32
